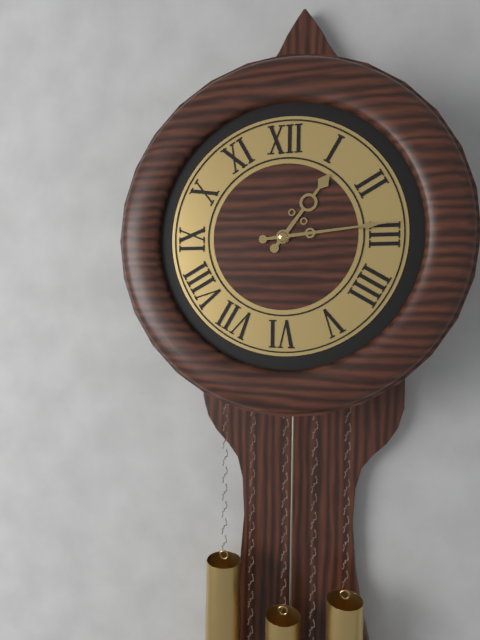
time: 1:14
